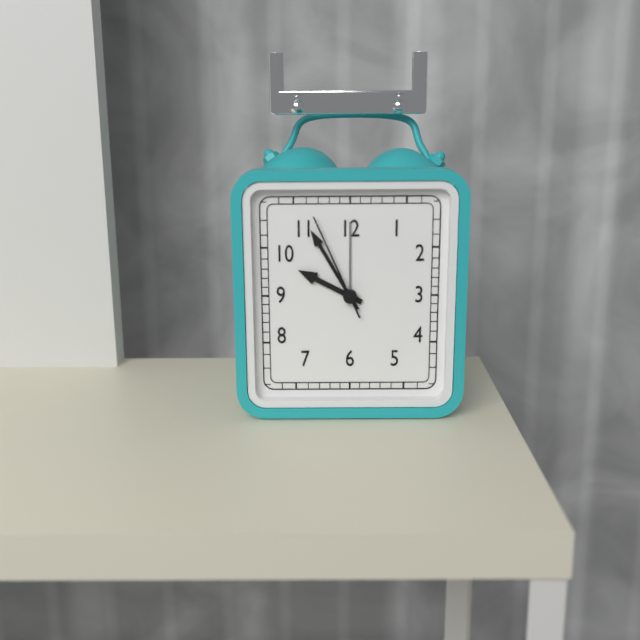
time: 9:55:56
